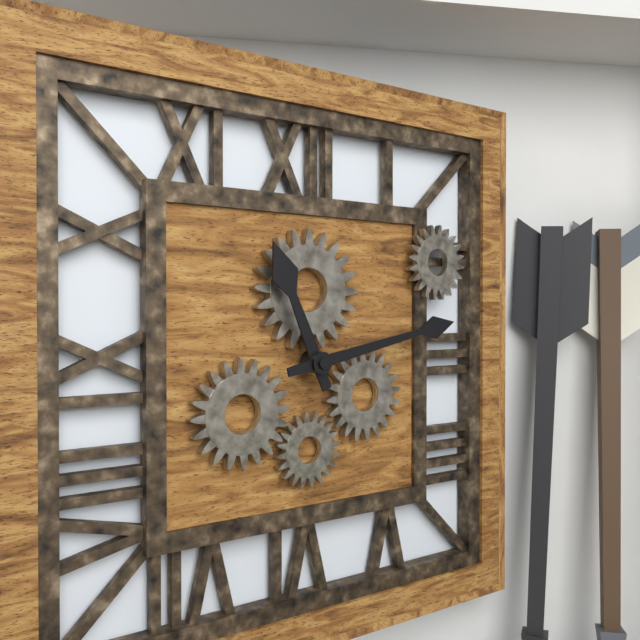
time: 11:13
